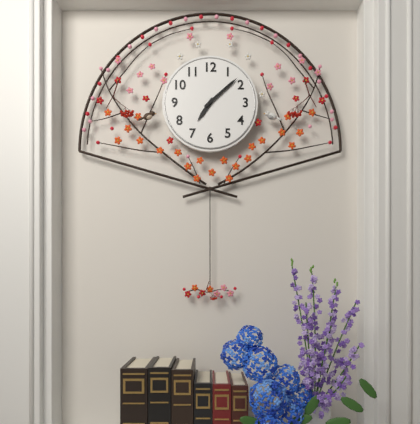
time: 7:08
